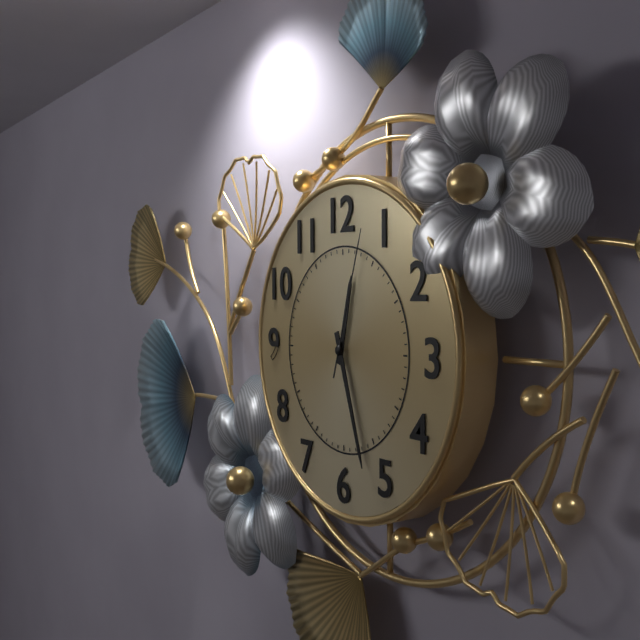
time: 12:27:03
